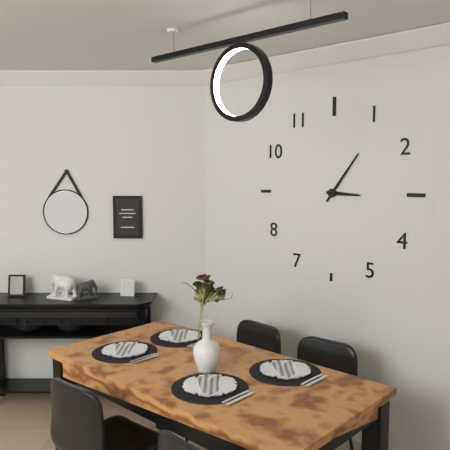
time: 3:06
